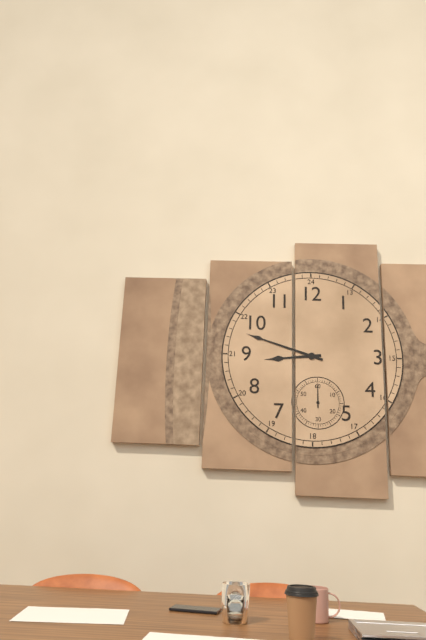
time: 8:48
